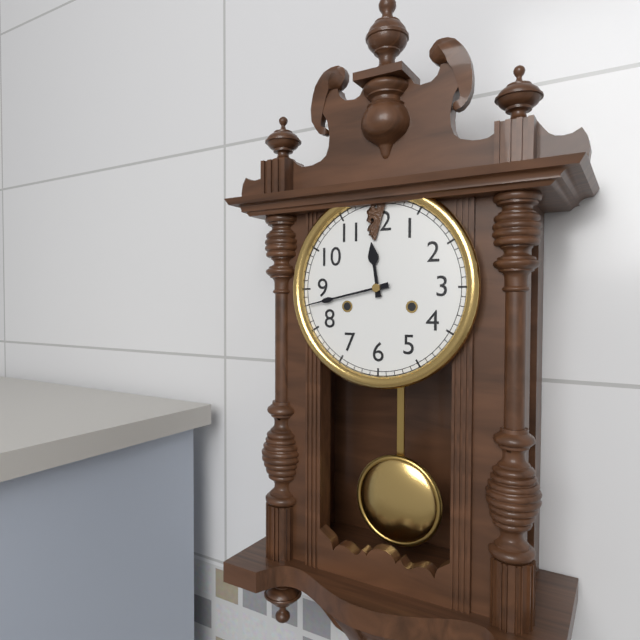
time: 11:43
